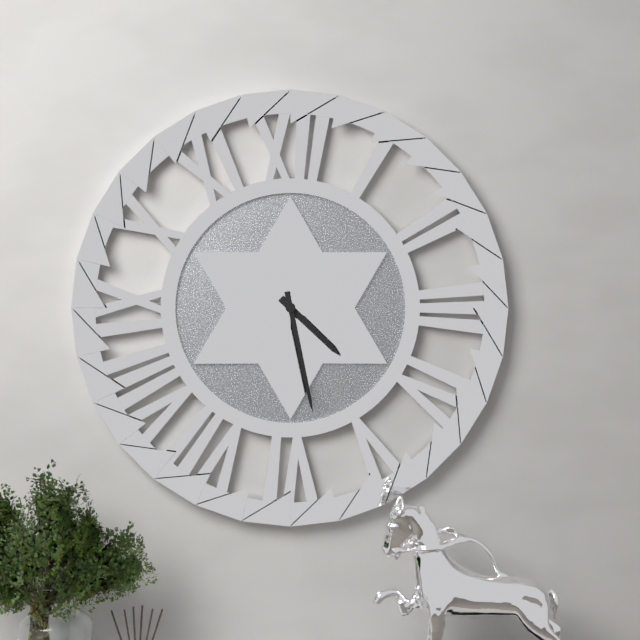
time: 4:28
